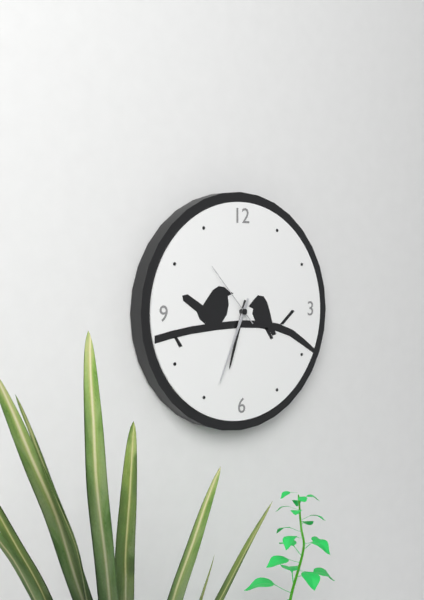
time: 6:34:53
